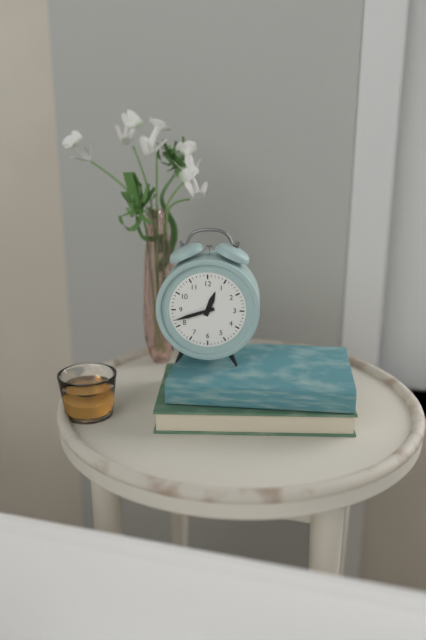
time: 12:42
